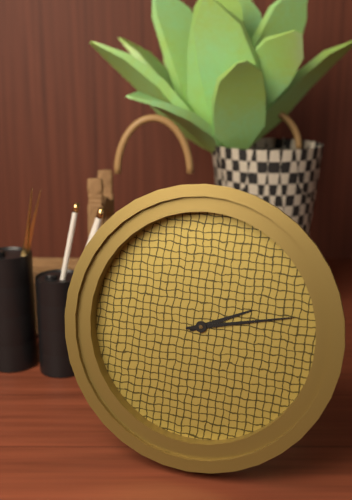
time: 2:13
